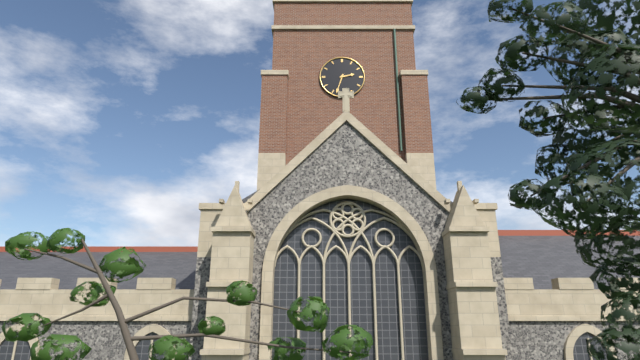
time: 2:33
